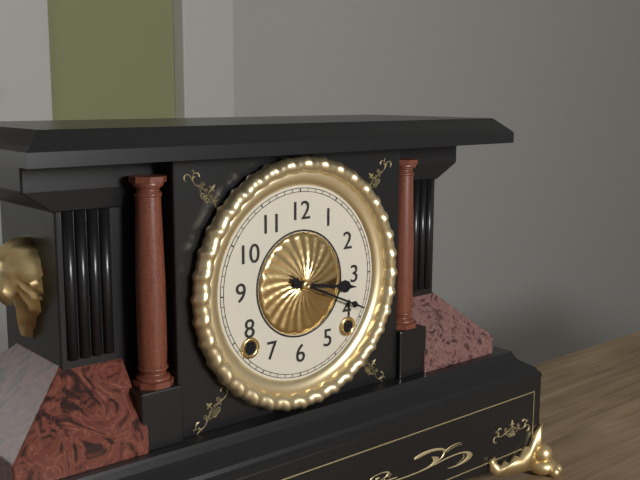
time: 3:19
